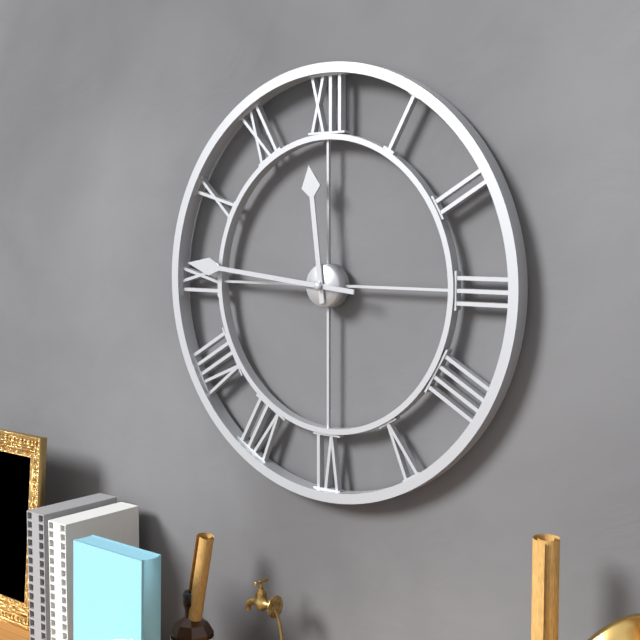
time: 11:46
